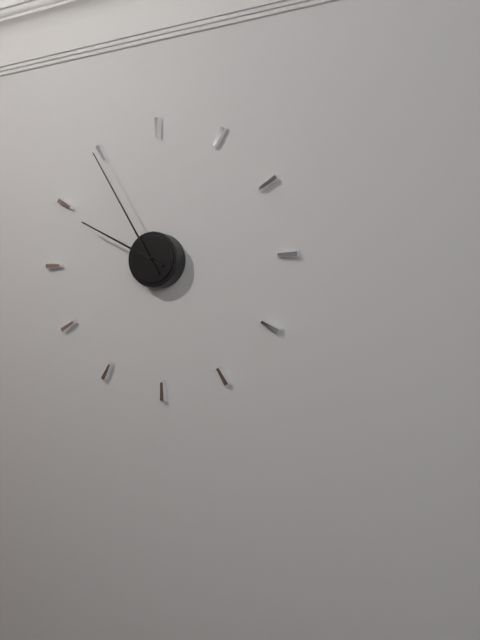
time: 9:55
